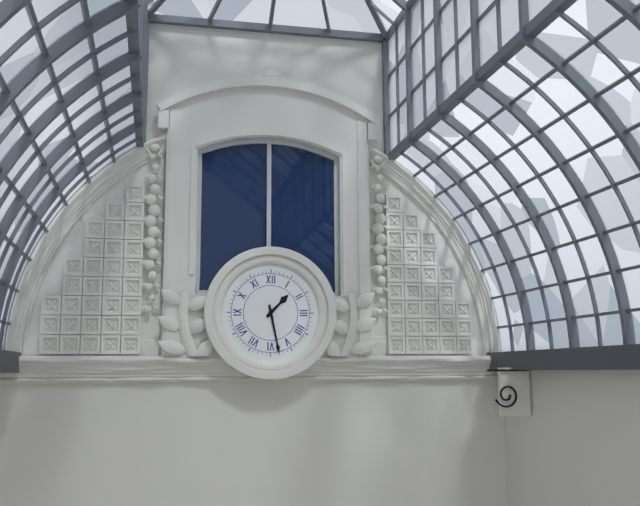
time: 1:28
